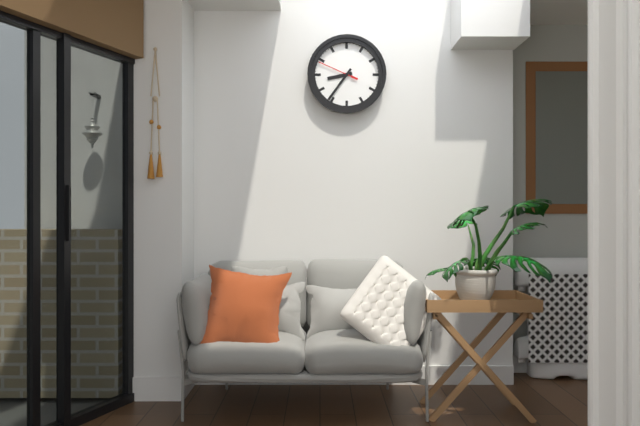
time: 8:36
